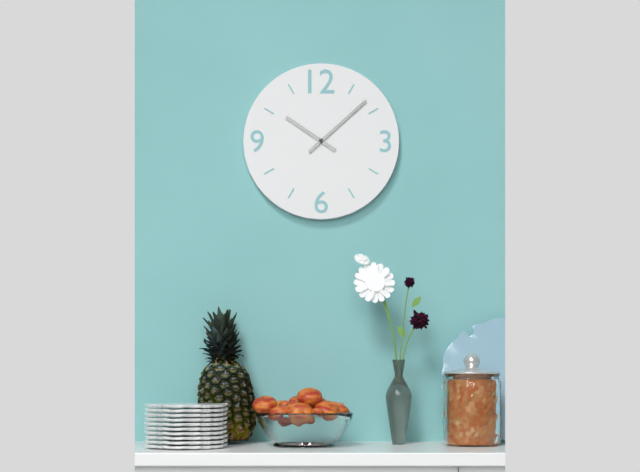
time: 10:08
